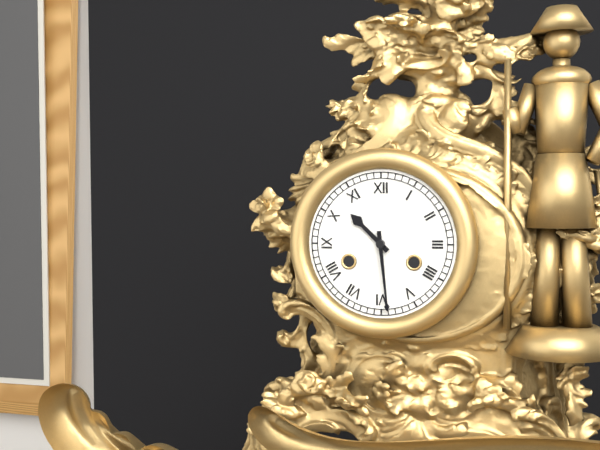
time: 10:29
